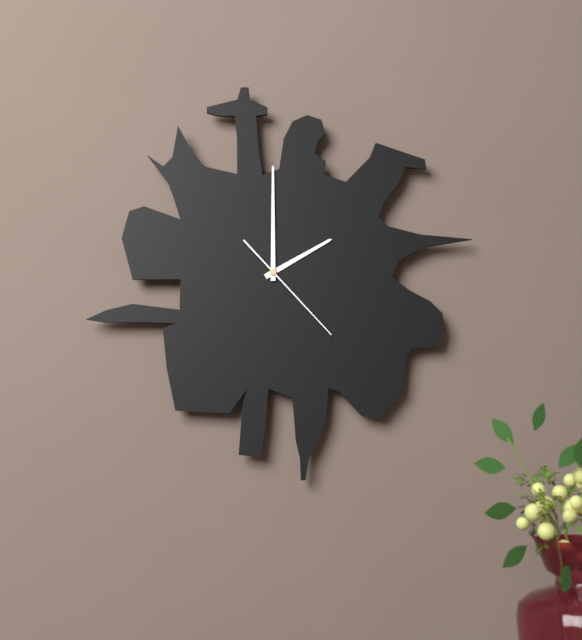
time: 2:00:23
